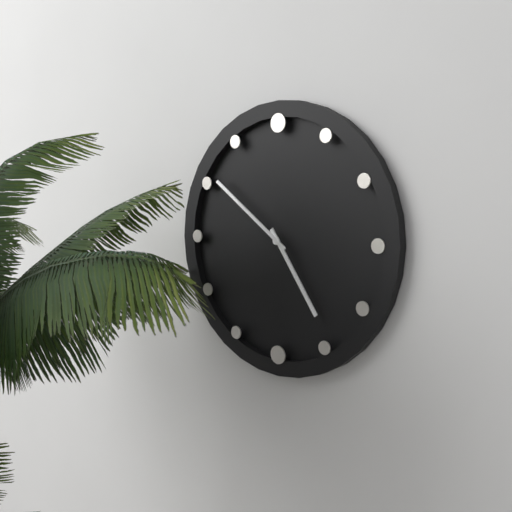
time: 4:51
